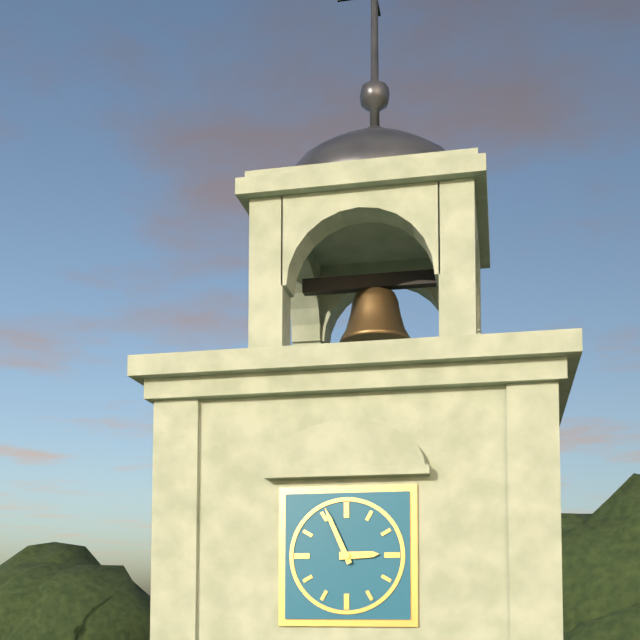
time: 2:56
